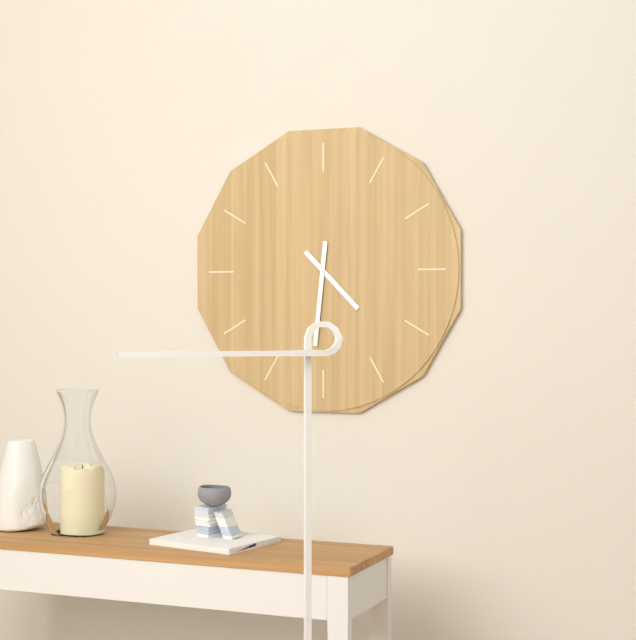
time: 4:31
